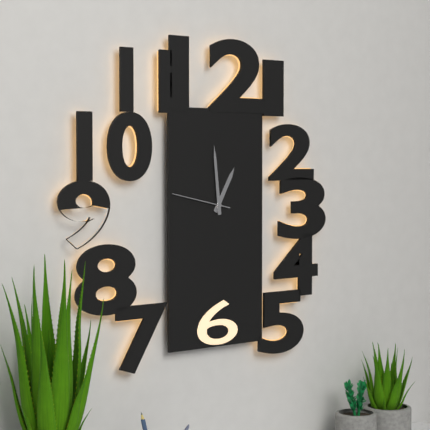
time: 12:59:47
